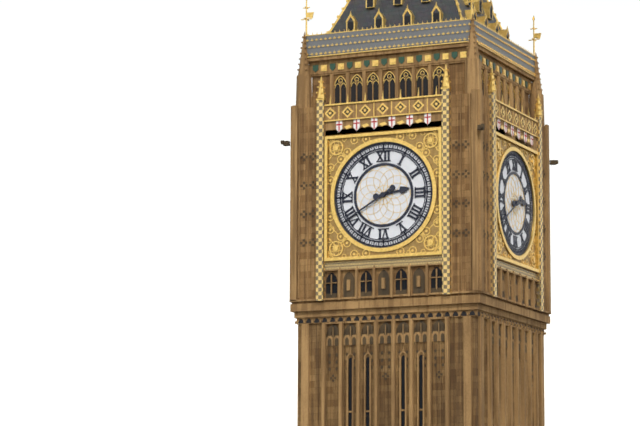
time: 2:40
